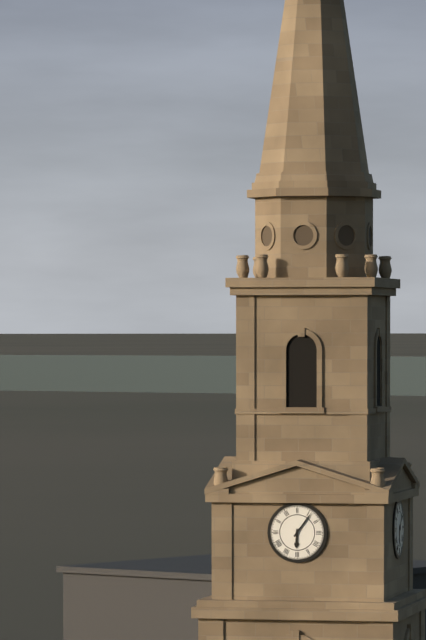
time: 6:06
